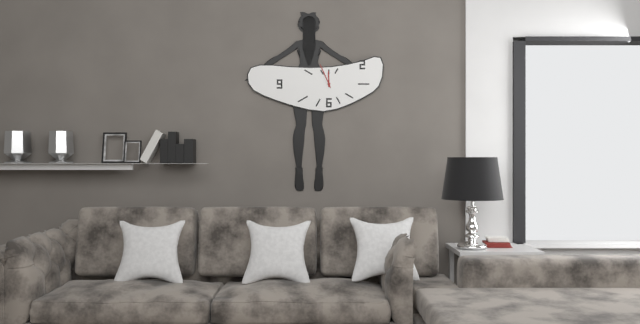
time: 11:56
